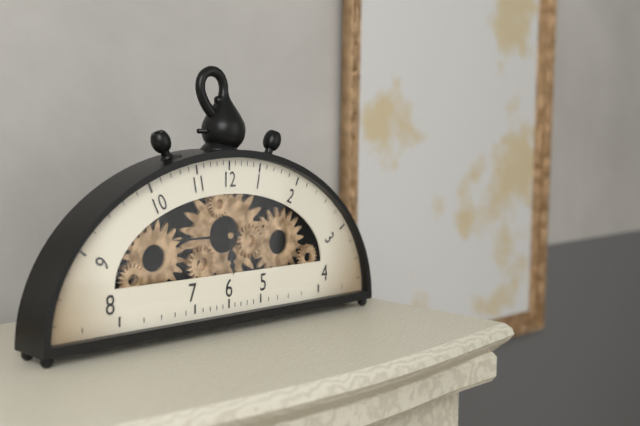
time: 5:45
